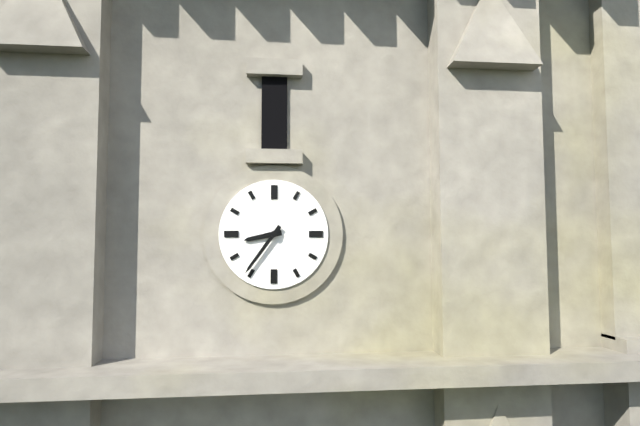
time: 8:36
